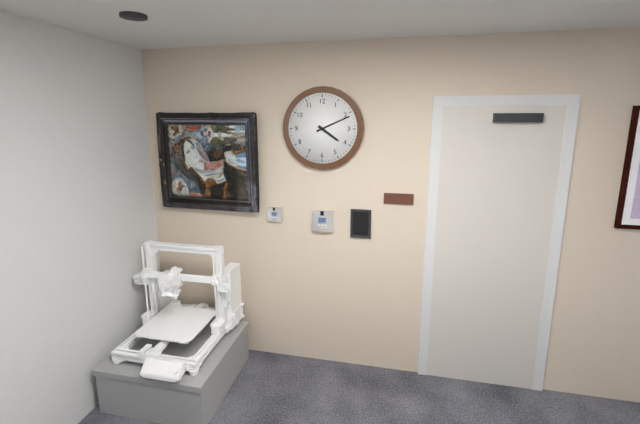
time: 4:11
